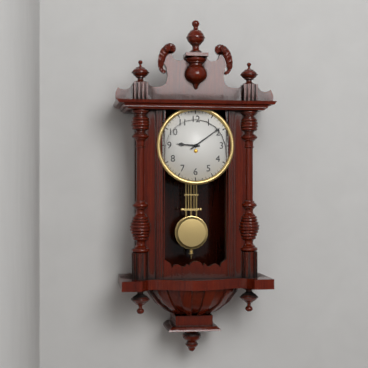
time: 9:09
